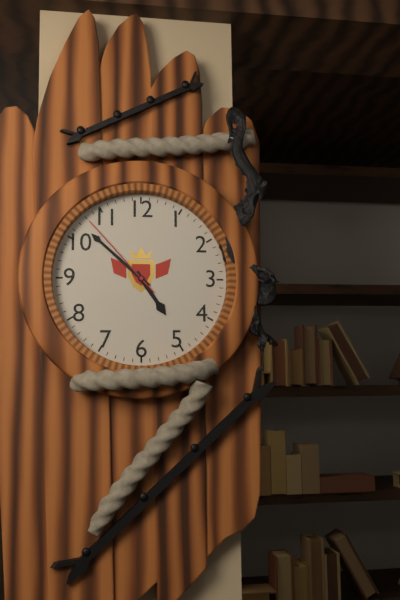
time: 4:52:53
